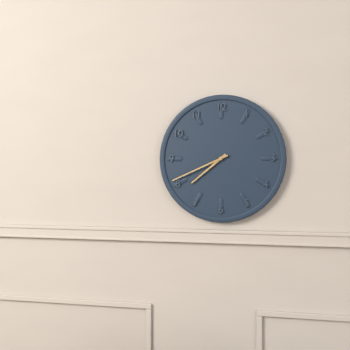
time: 7:41
